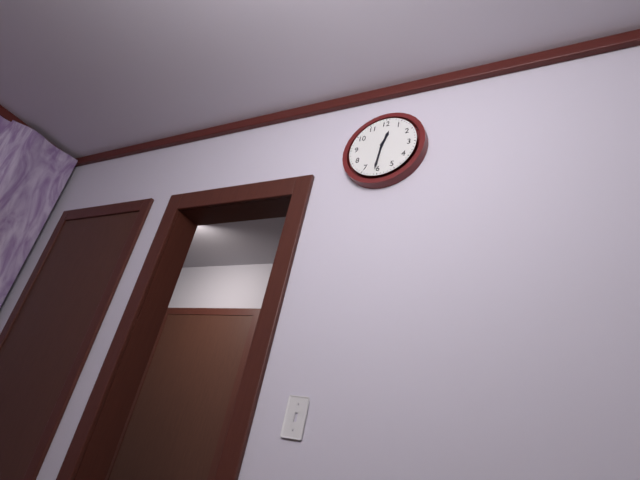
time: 12:31
